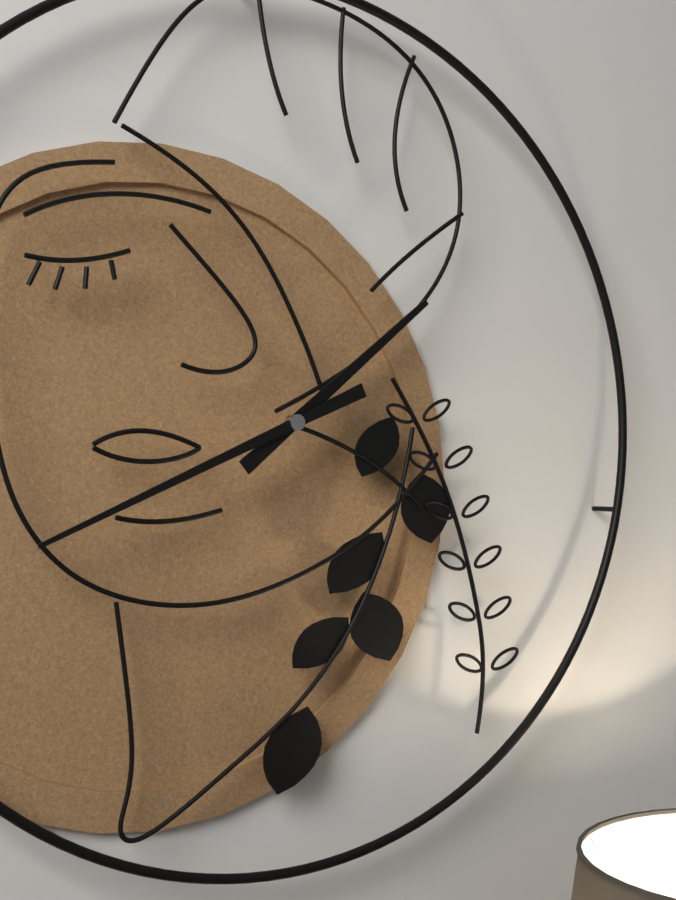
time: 1:41
